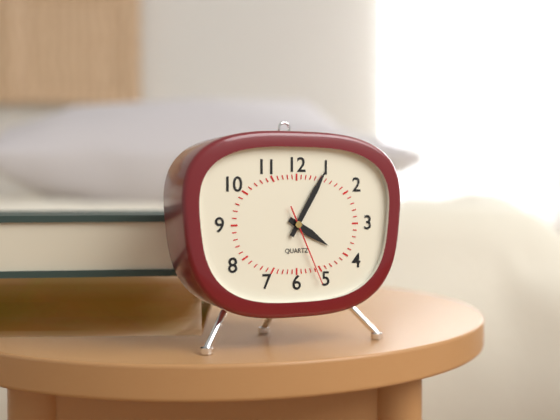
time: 4:05:26
